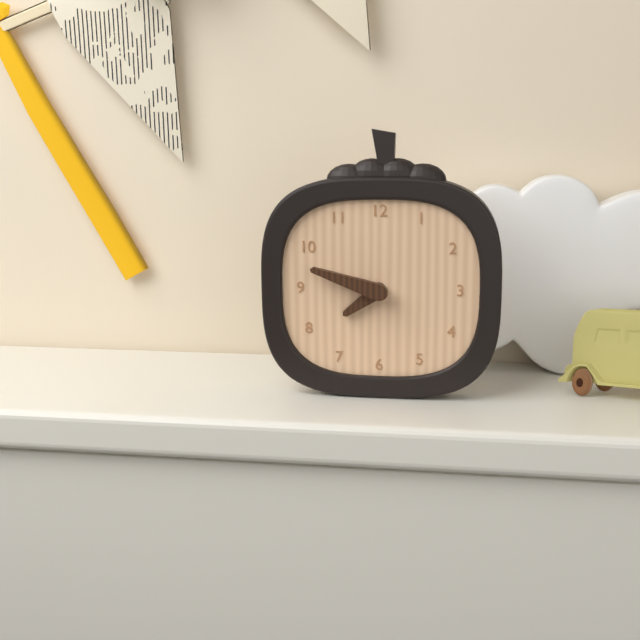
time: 7:48
